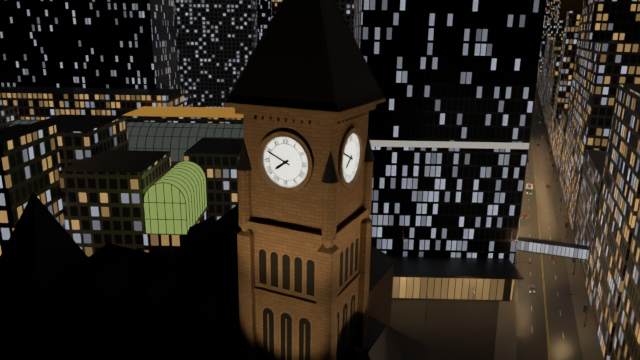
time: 7:49
